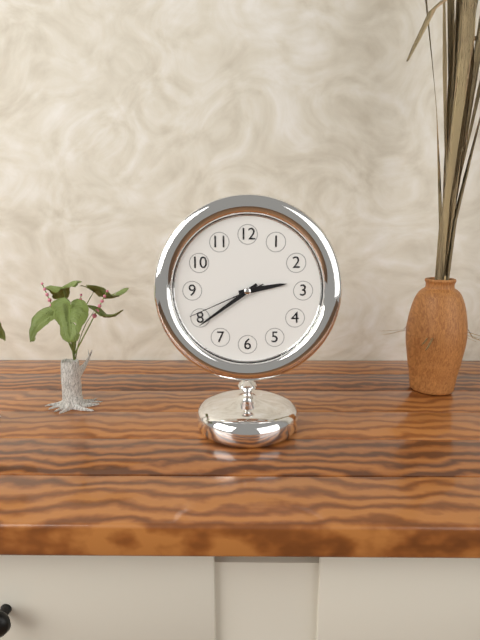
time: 2:39:41
